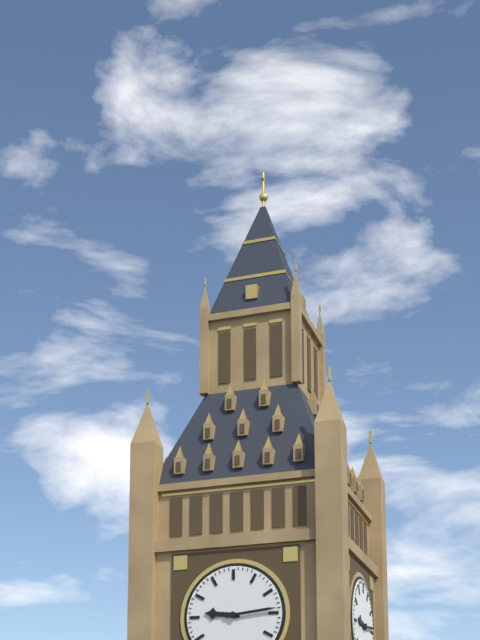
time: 9:14
